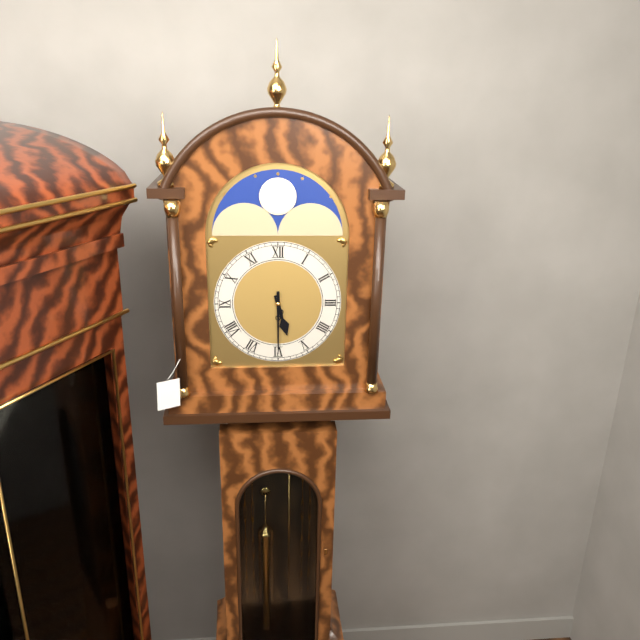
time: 5:30
